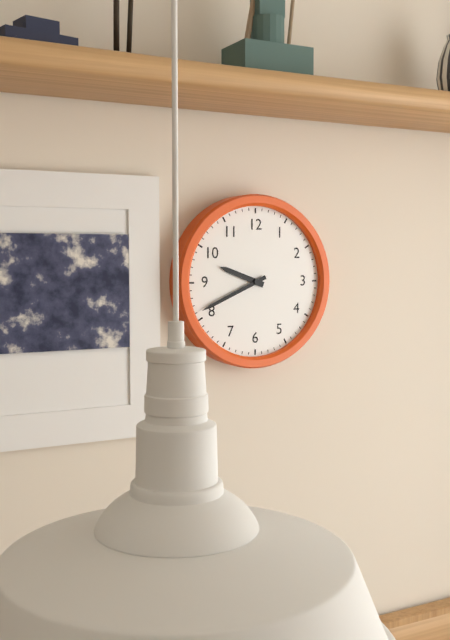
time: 9:41
